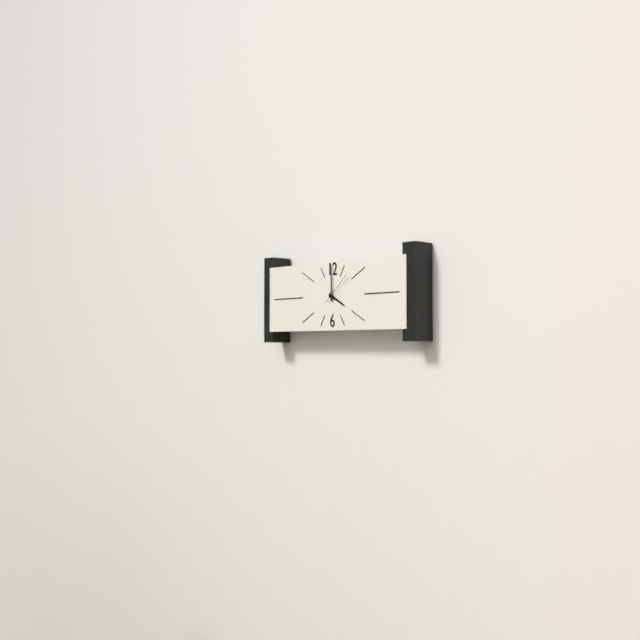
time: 4:00
